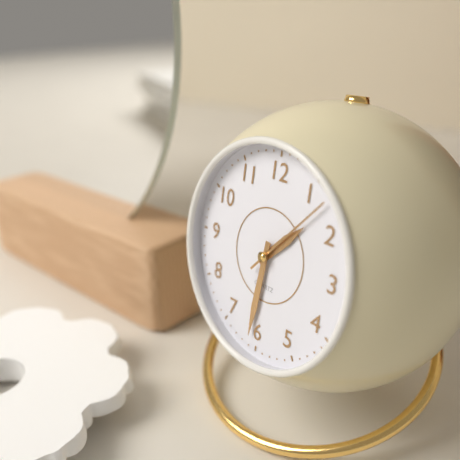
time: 1:31:07
